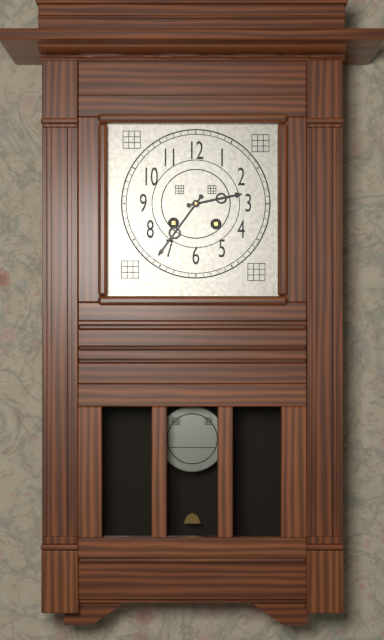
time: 2:36
